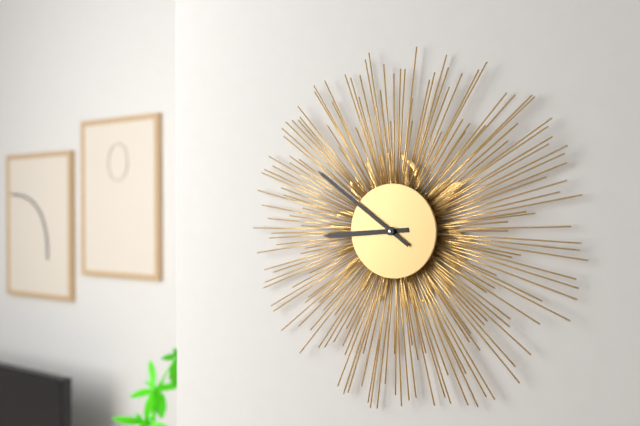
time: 8:51
